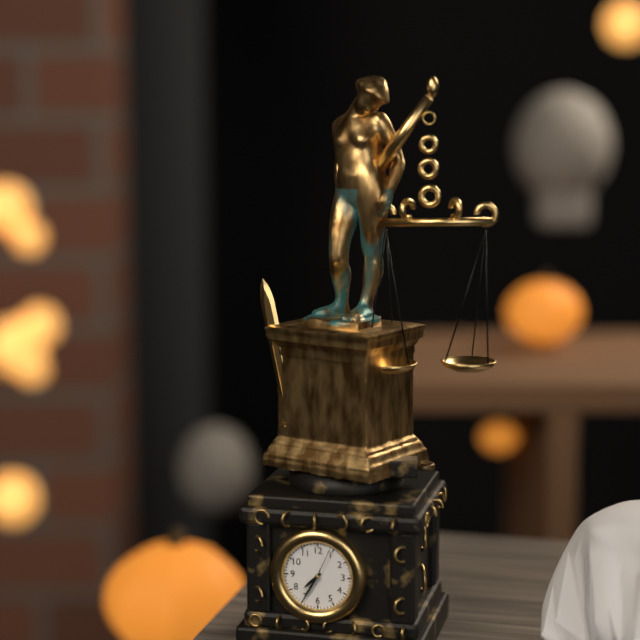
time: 7:35
